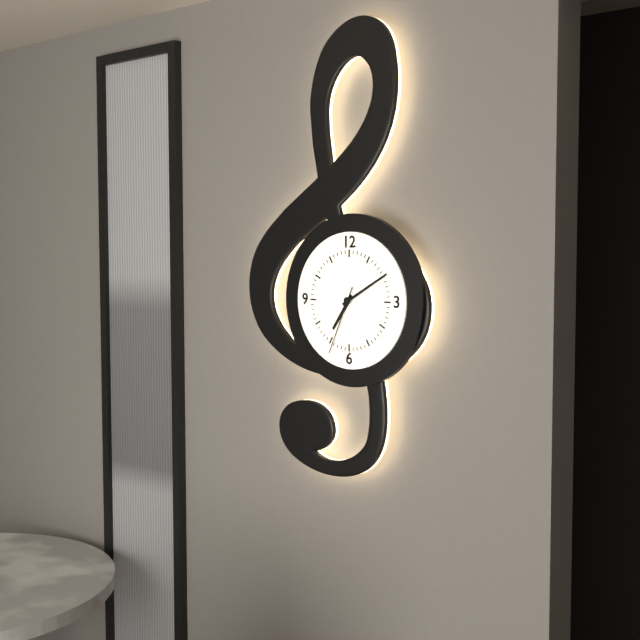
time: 7:10:34
